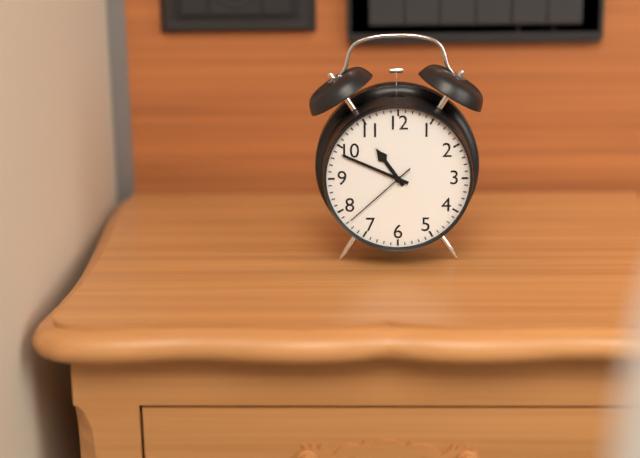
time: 10:49:38
